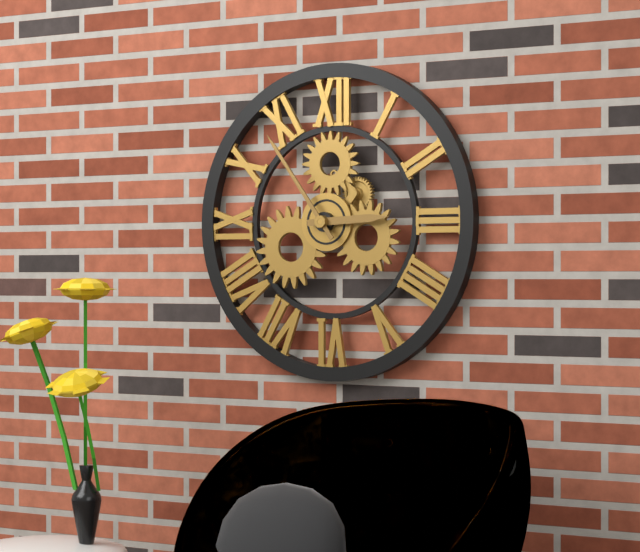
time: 2:54
